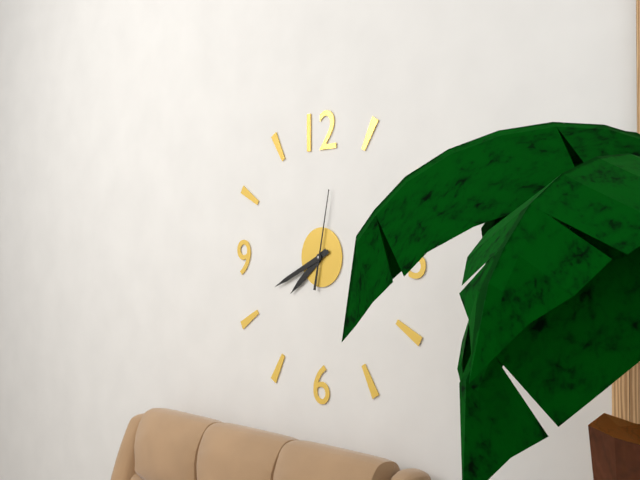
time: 7:41:02
